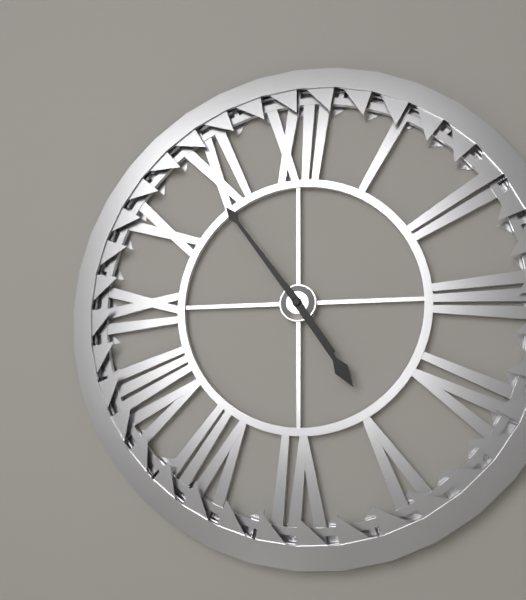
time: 4:54
